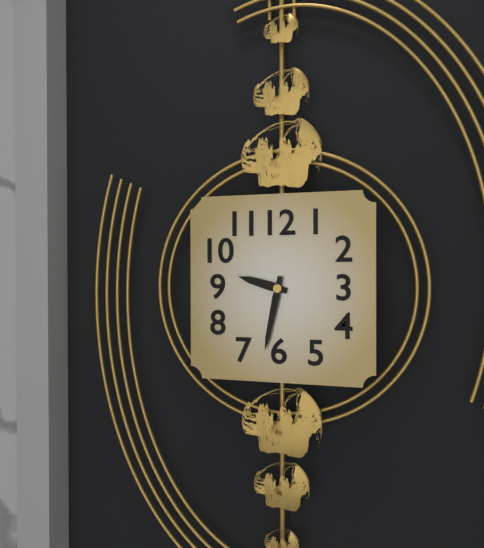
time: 9:32
